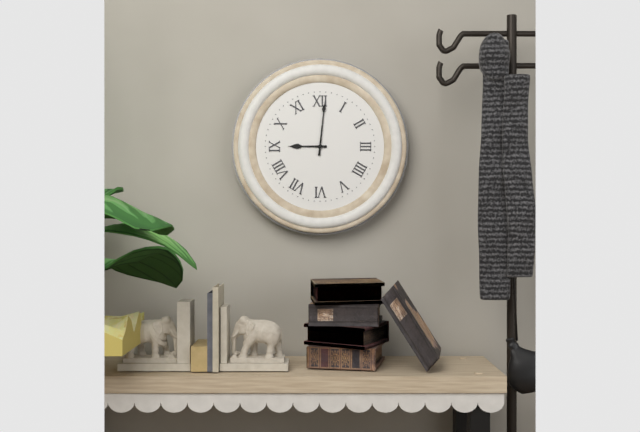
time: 9:01
